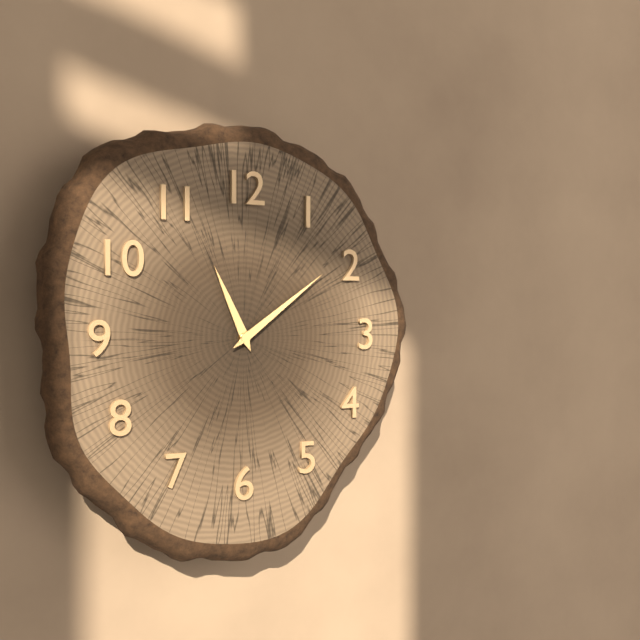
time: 11:09
